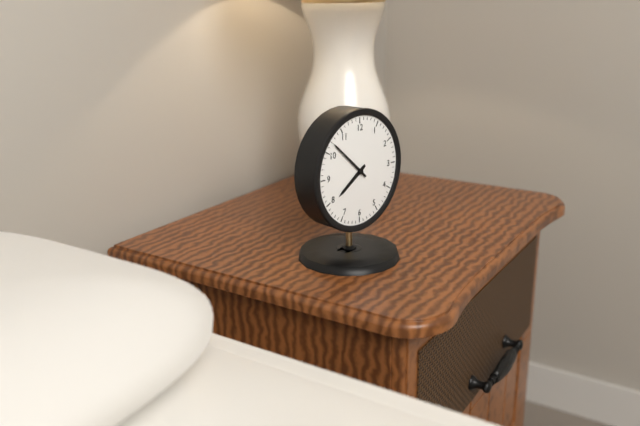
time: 7:52
